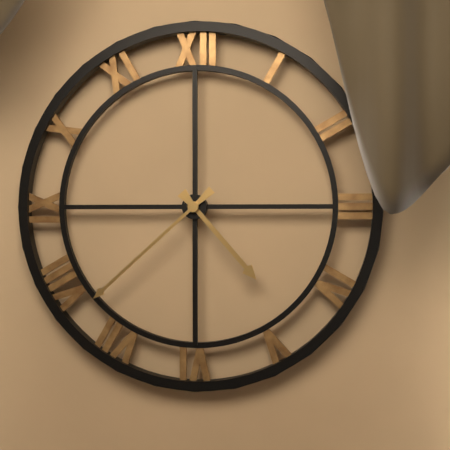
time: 4:38
